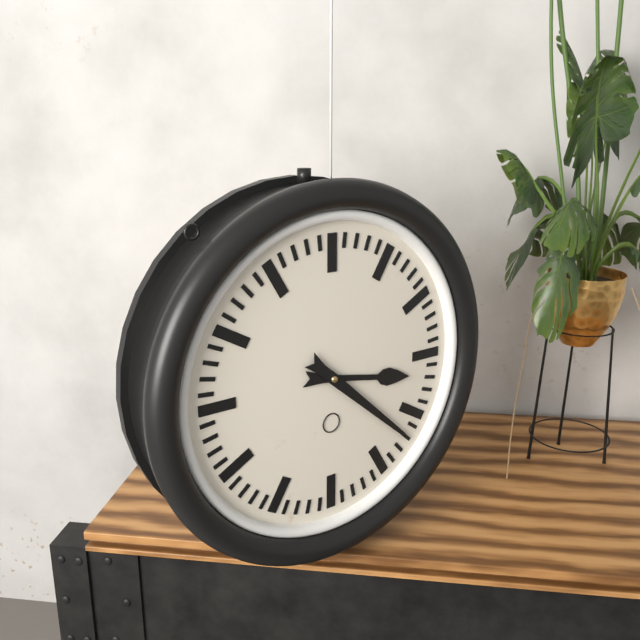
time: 3:22
